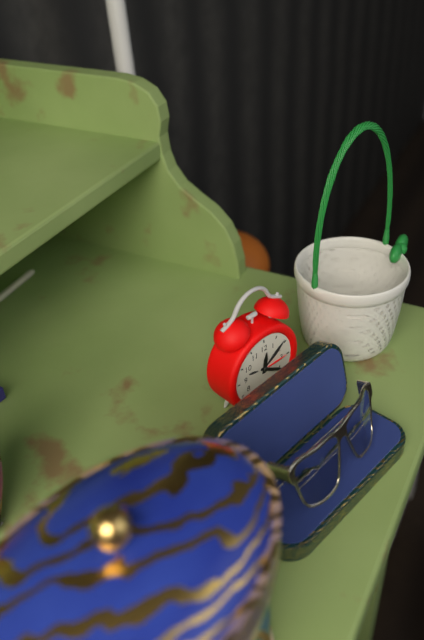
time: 12:20
